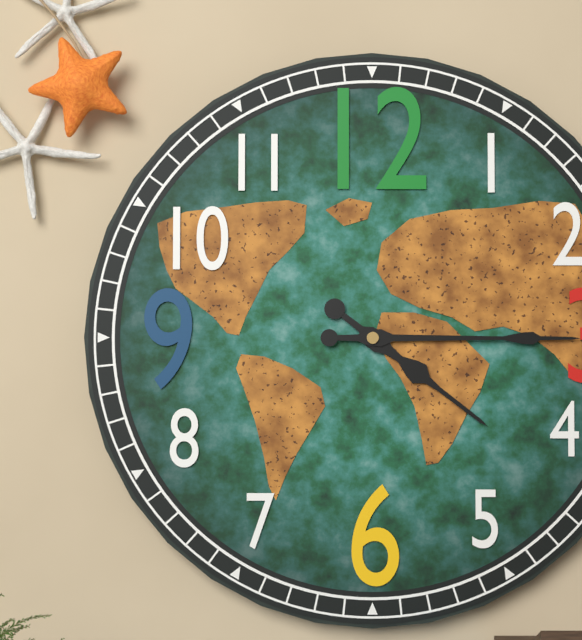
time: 4:15
